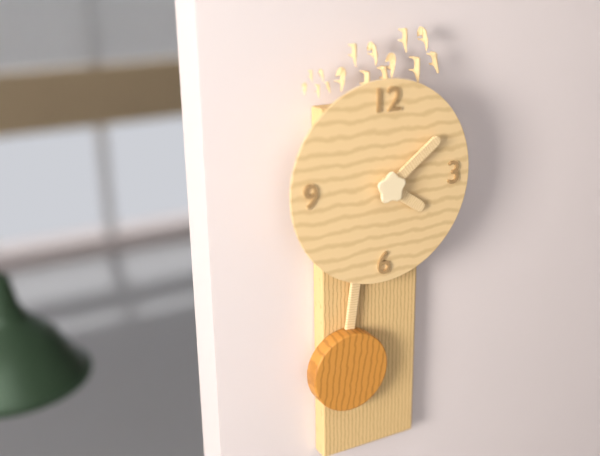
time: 4:09
